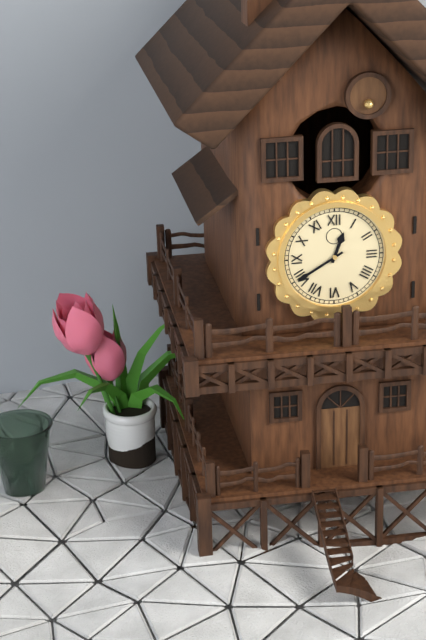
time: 12:40
